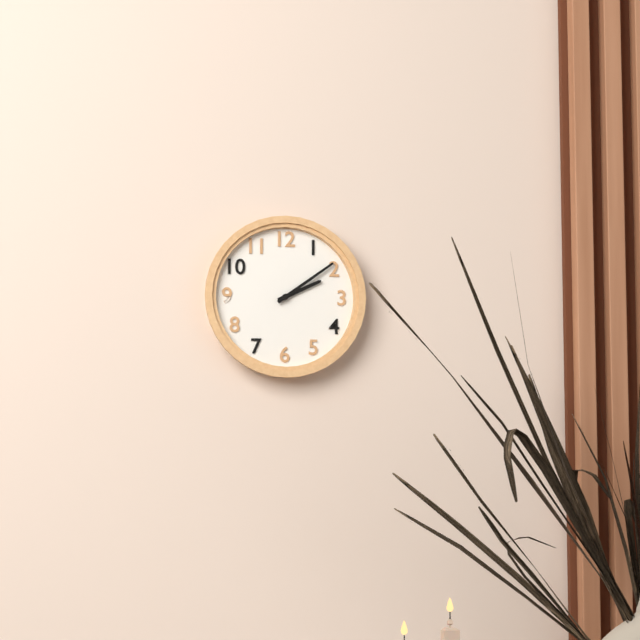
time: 2:09
